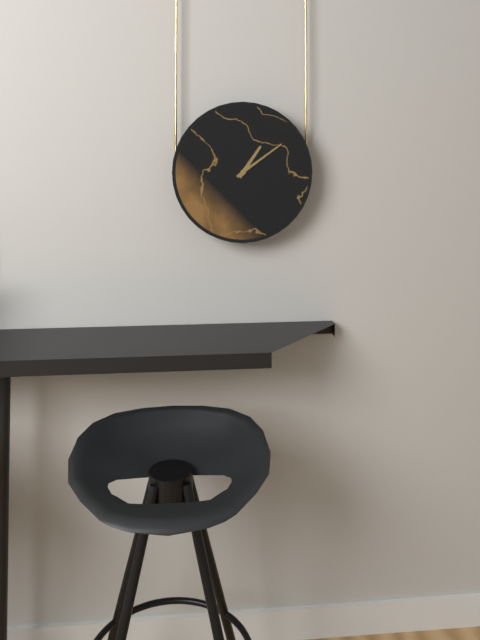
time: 1:09
